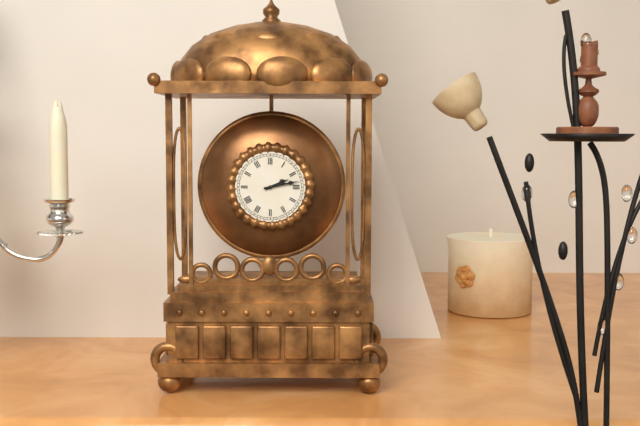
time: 2:13
